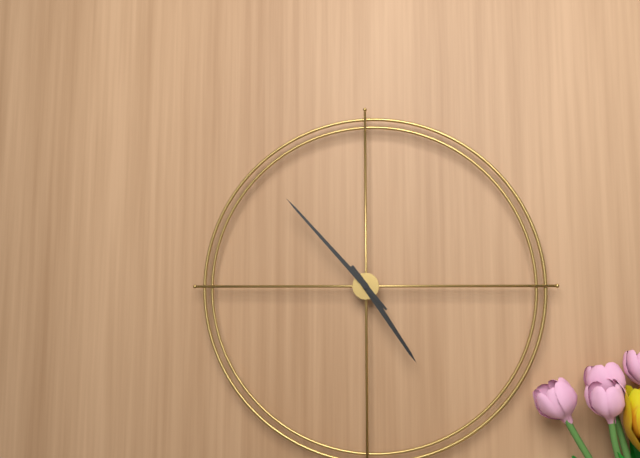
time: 4:53
